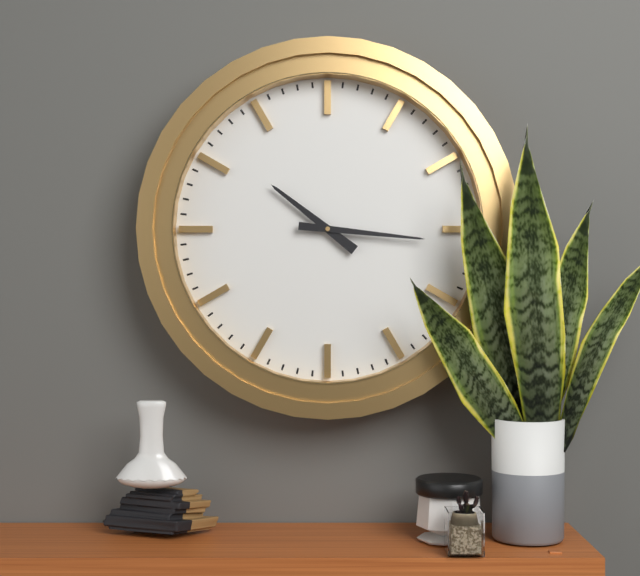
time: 10:16
